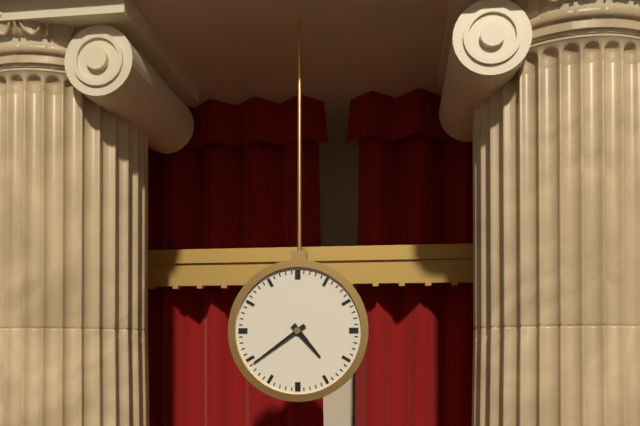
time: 4:39
